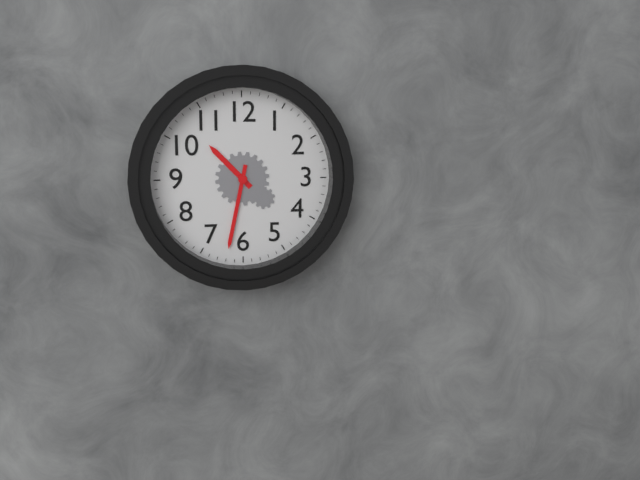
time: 10:32
